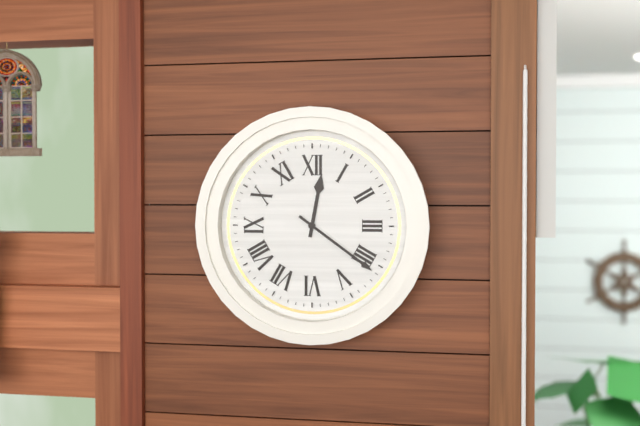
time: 12:21
